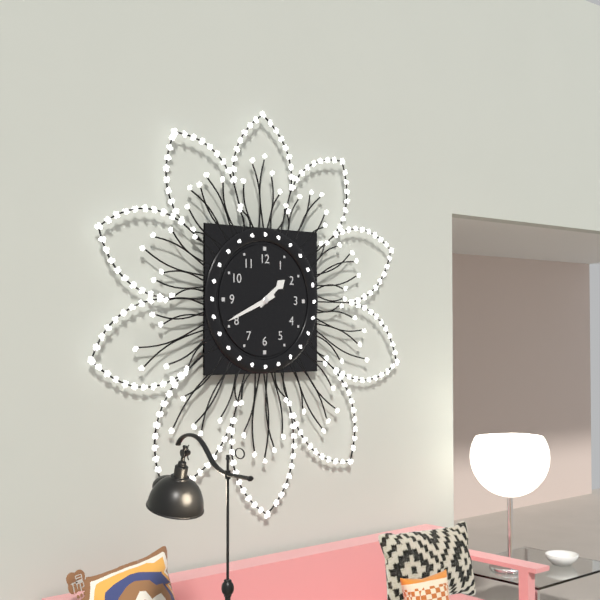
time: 1:41
